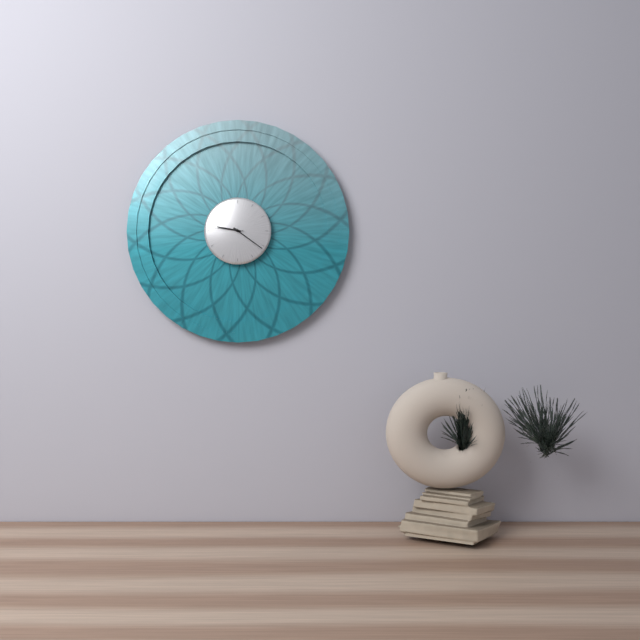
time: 9:21
